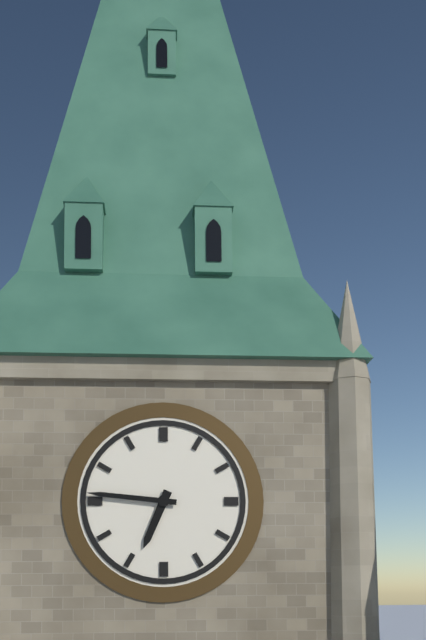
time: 6:46
